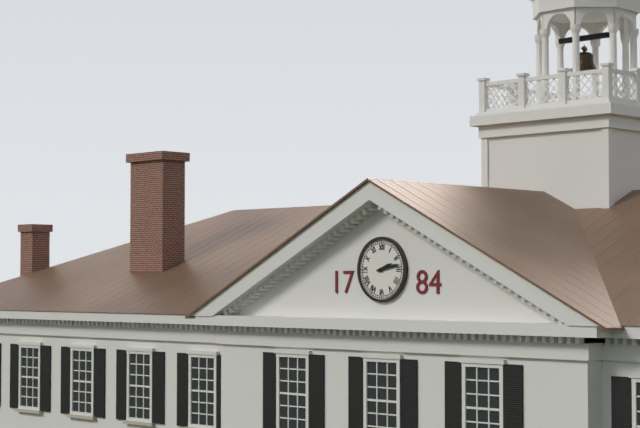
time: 2:13
